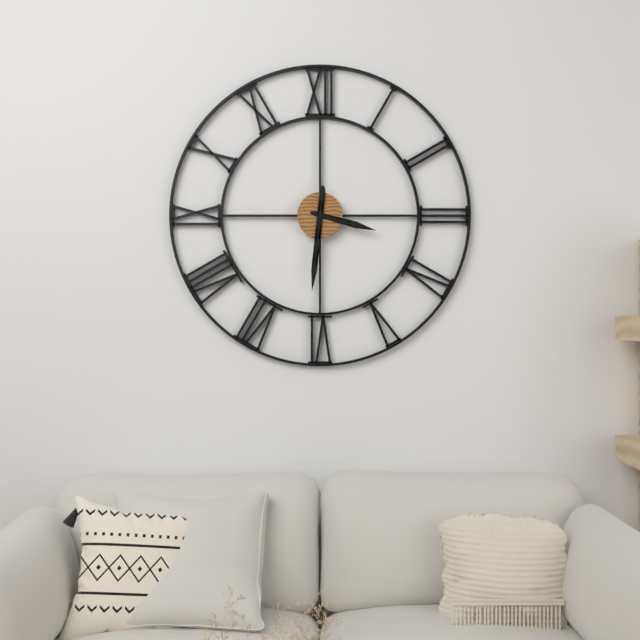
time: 3:31
